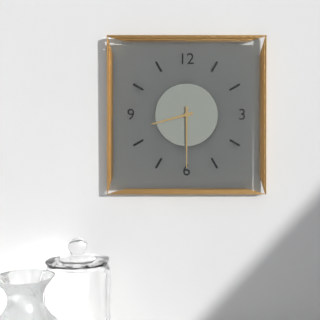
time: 8:30
